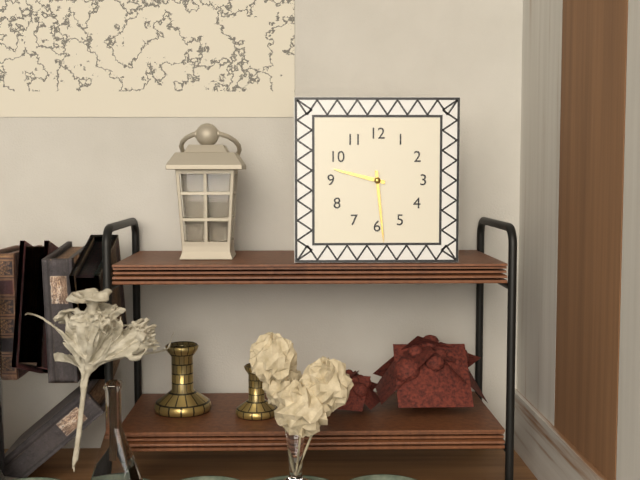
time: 9:29
